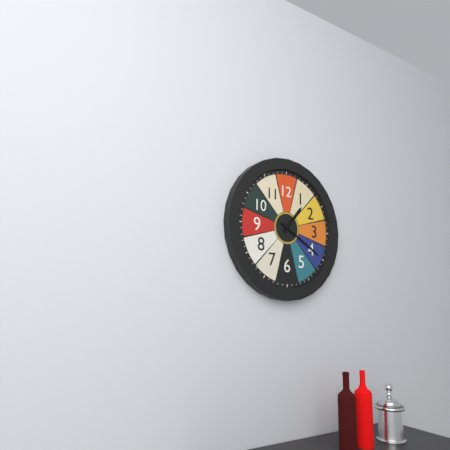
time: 1:20
